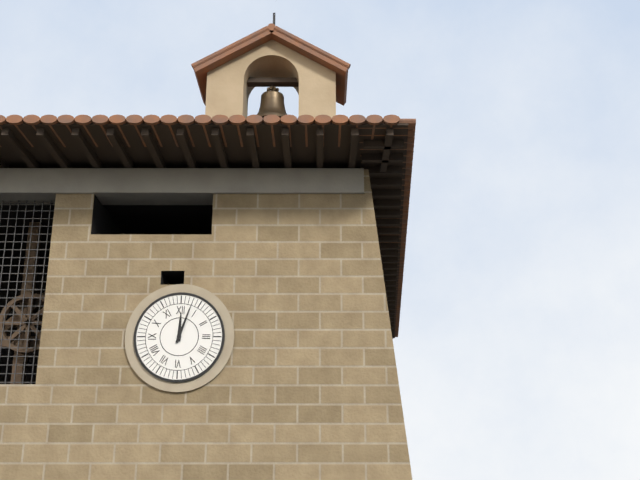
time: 12:03
